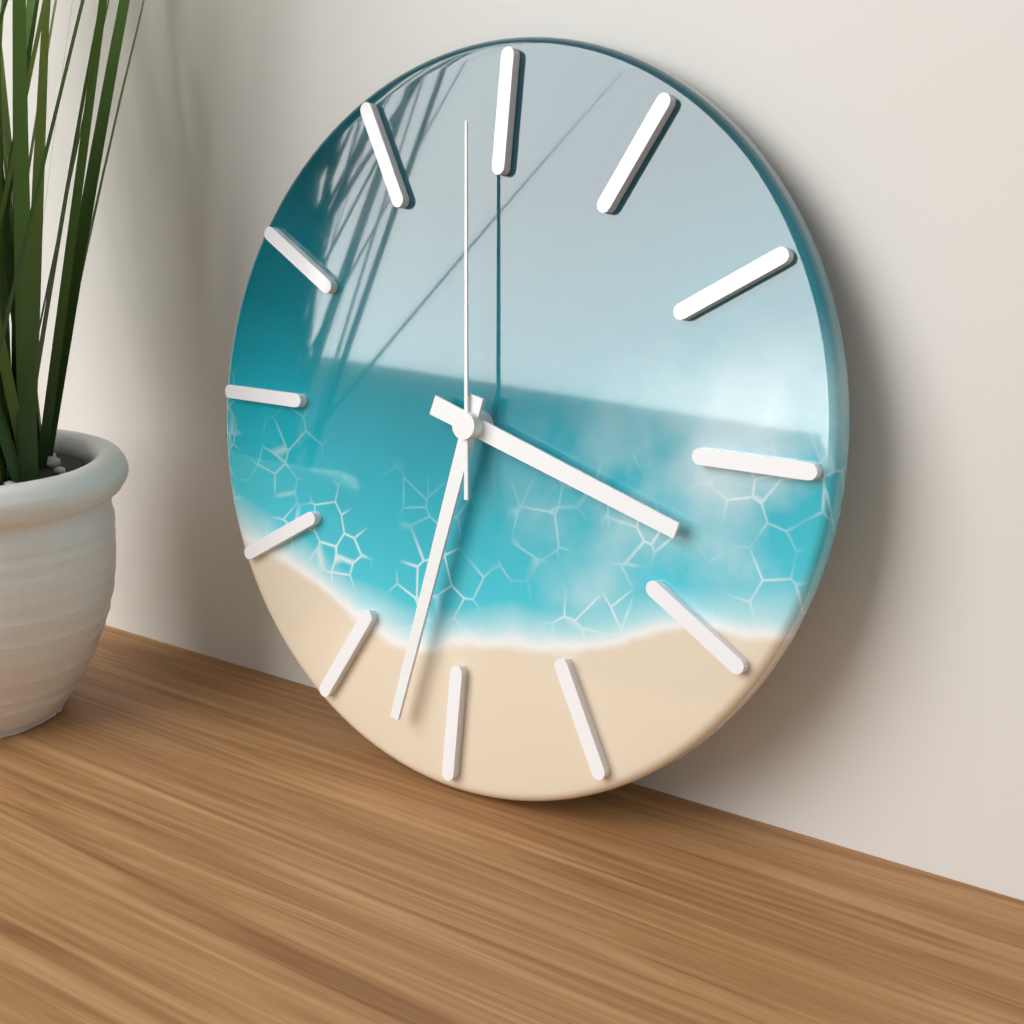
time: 3:32:59
